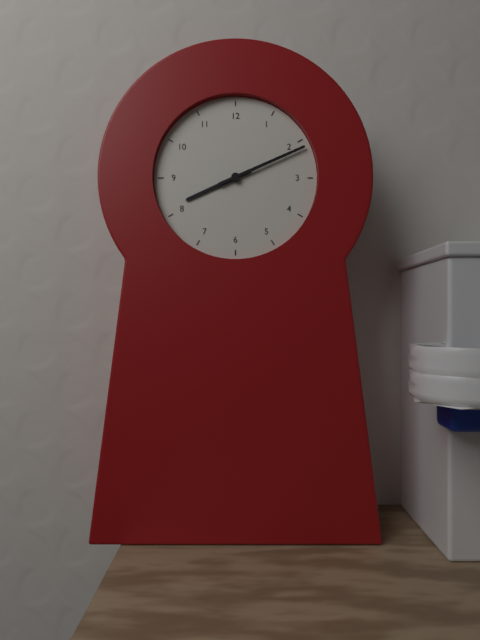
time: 8:11
